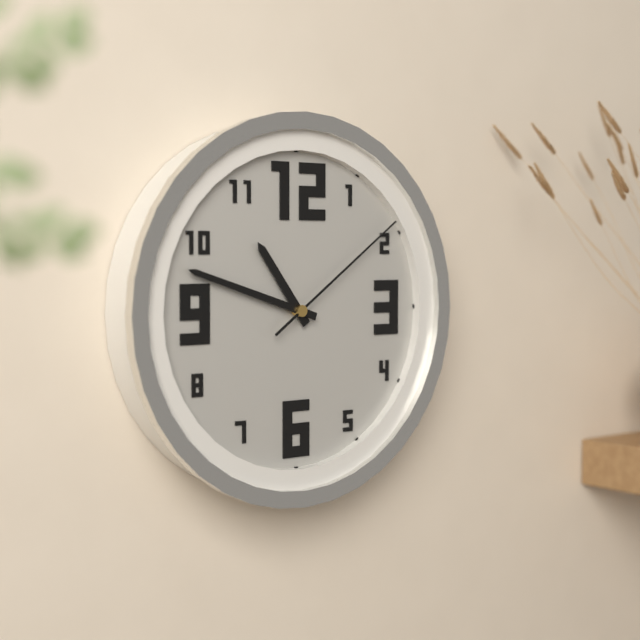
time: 10:48:09
